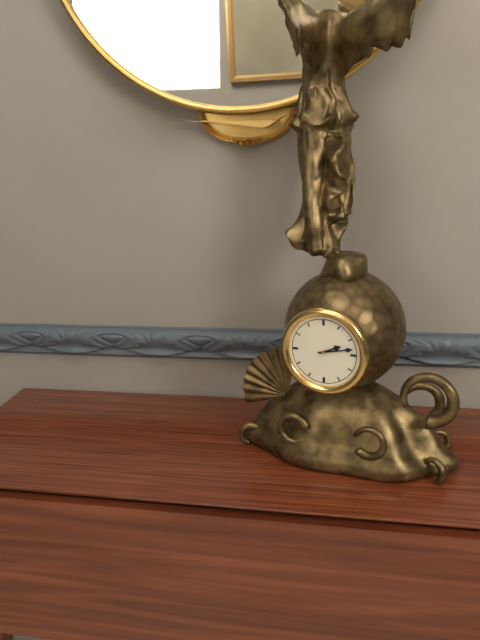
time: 2:13
